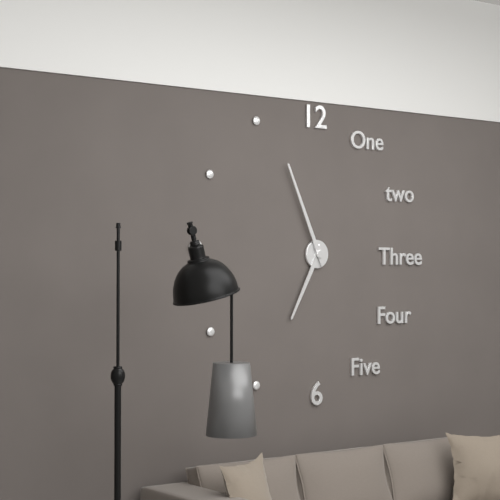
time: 6:56
